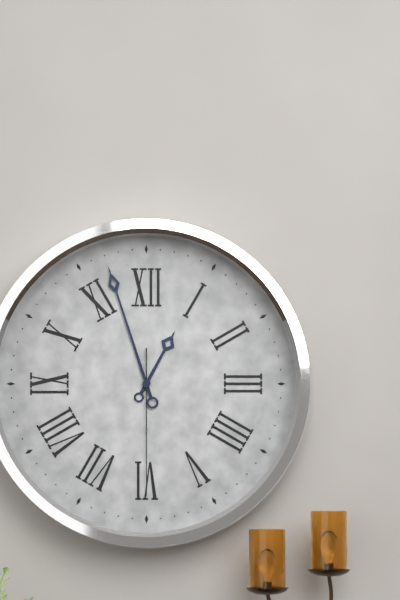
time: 12:57:30
